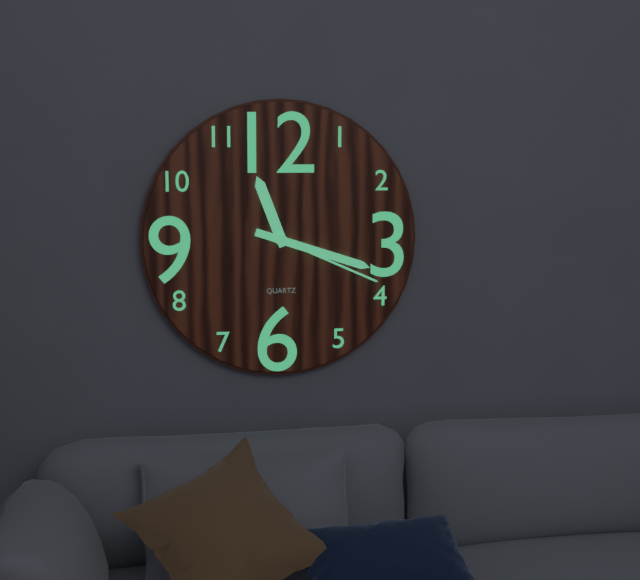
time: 11:18:19
